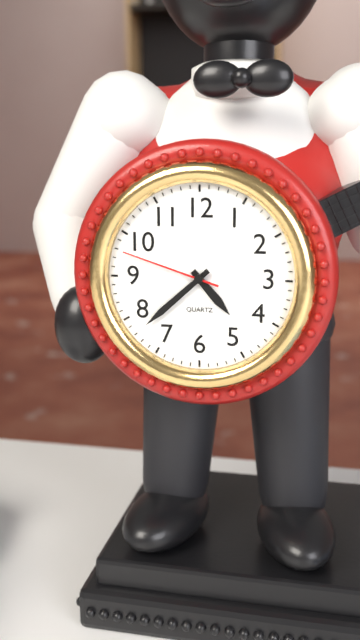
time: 4:38:48
